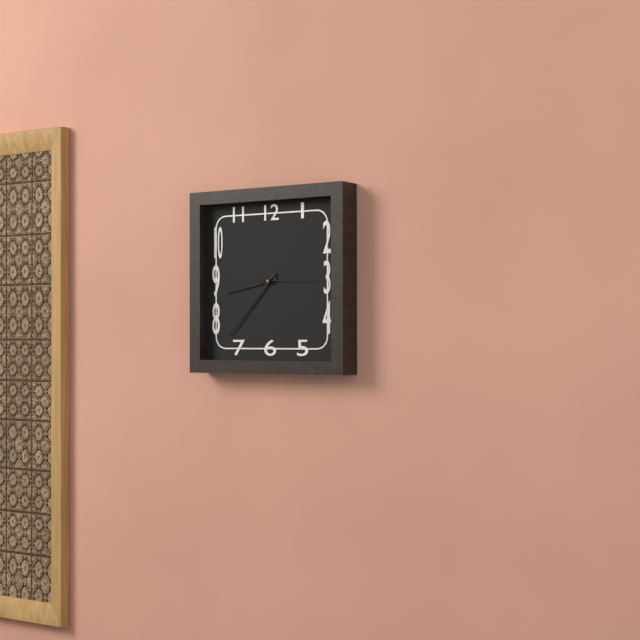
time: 8:37:15
